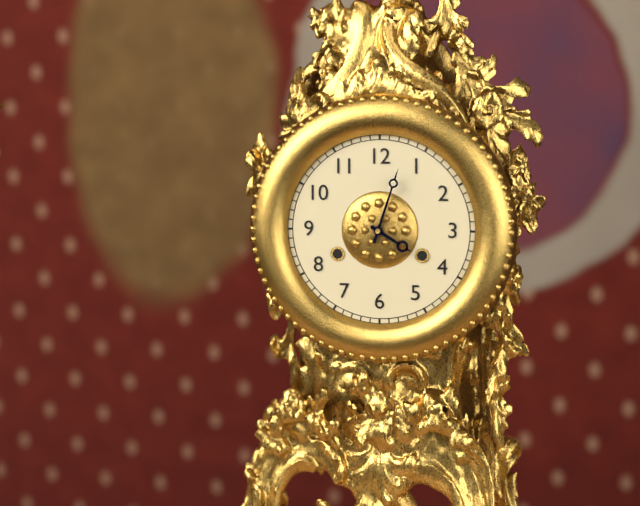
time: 4:03
